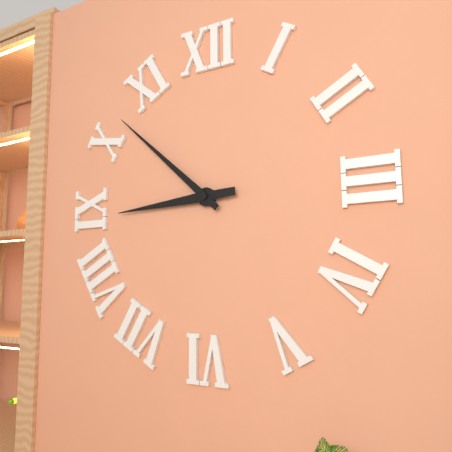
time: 8:52
